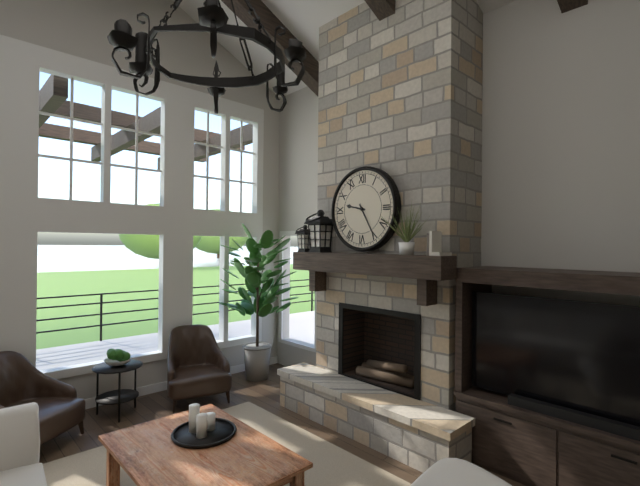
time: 9:25
